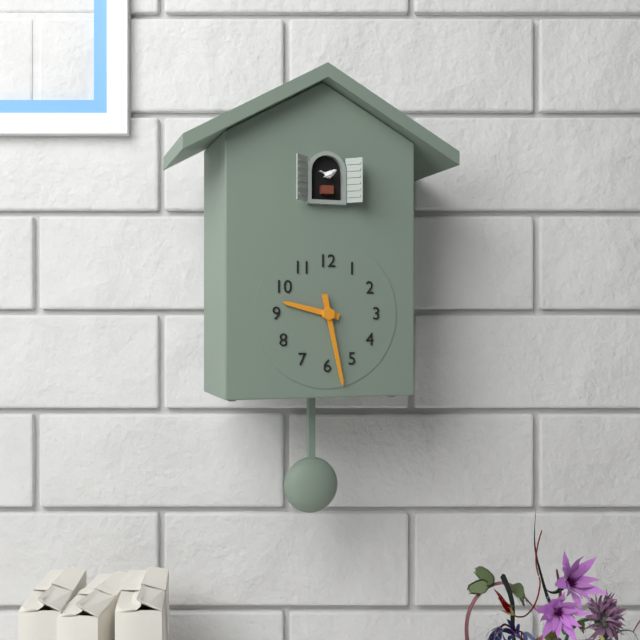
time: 9:28
